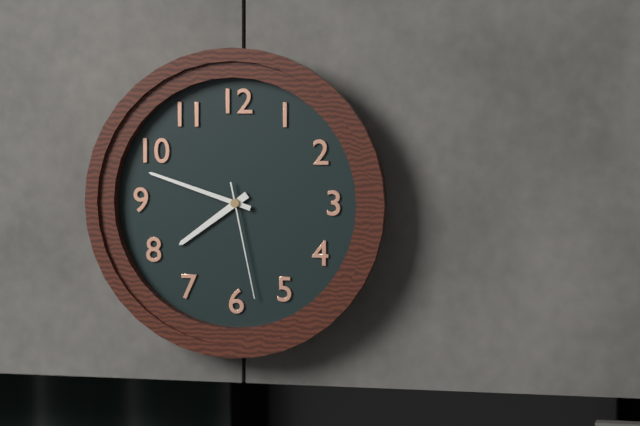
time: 7:48:28
